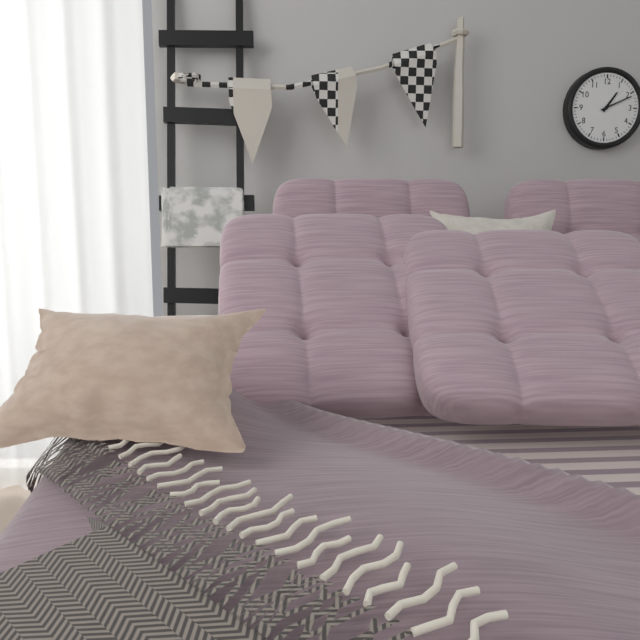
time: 1:11
